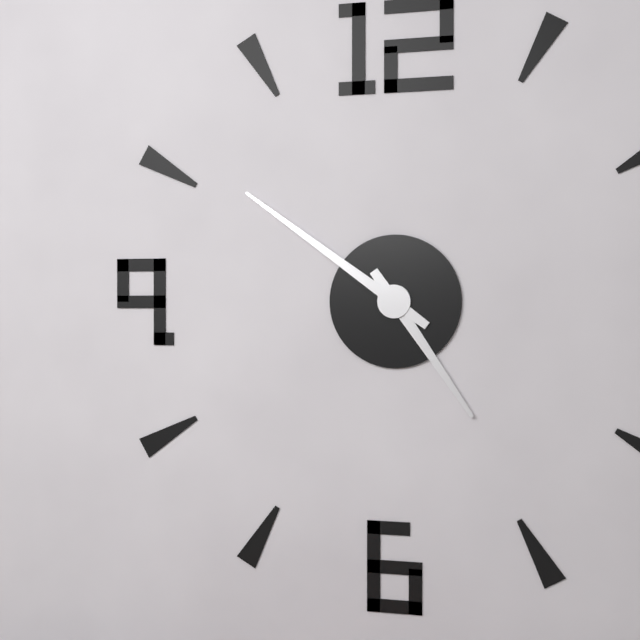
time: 4:51
